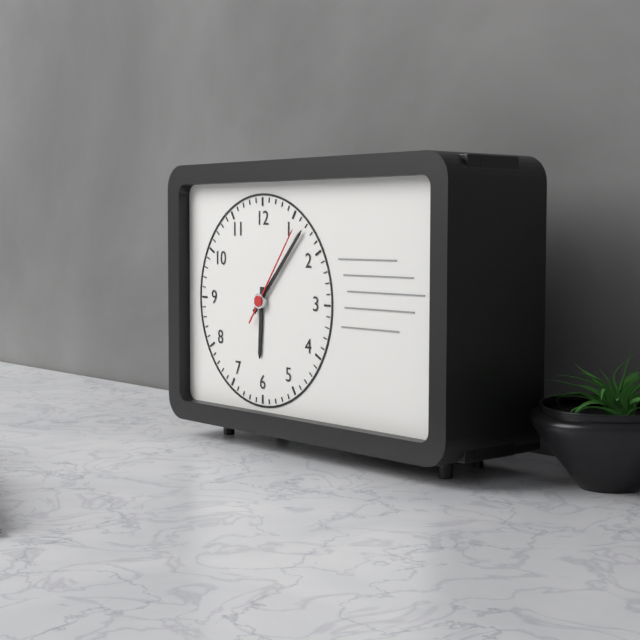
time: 6:07:06
